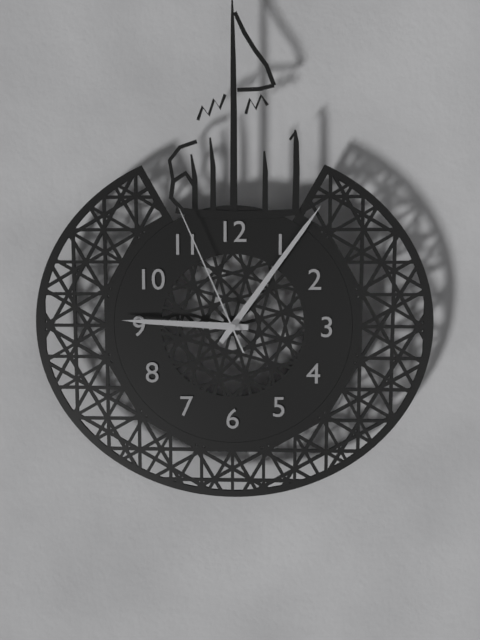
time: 9:06:56
